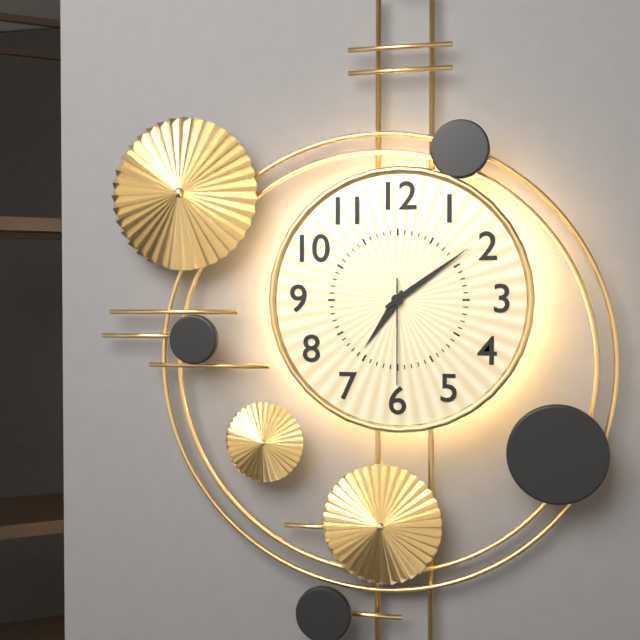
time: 7:09:30
